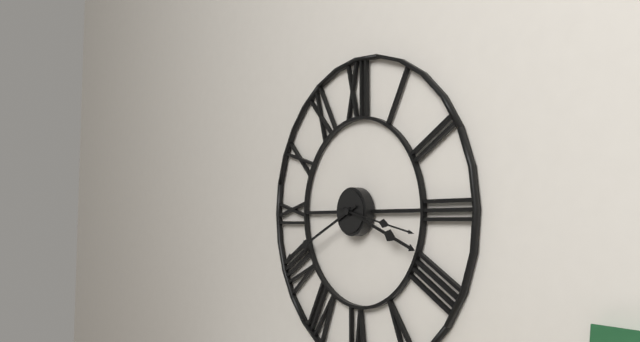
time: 3:41:17
